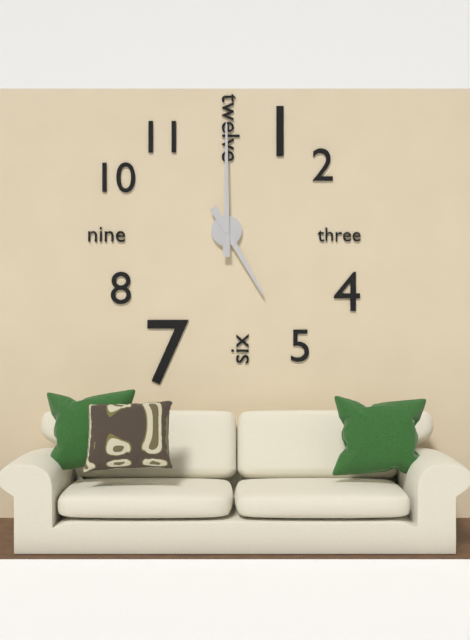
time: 5:00
